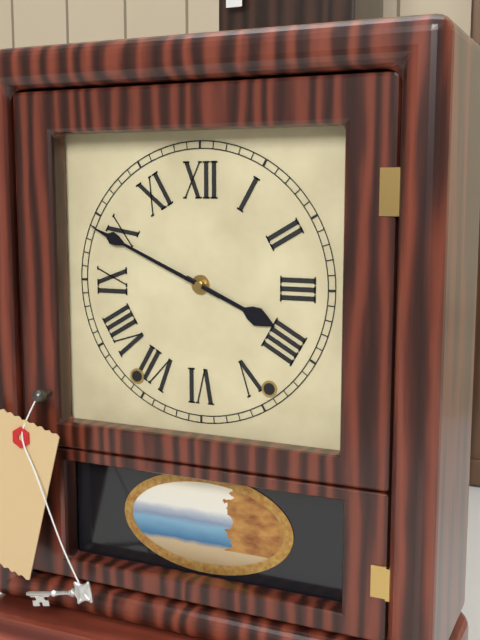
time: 3:49
